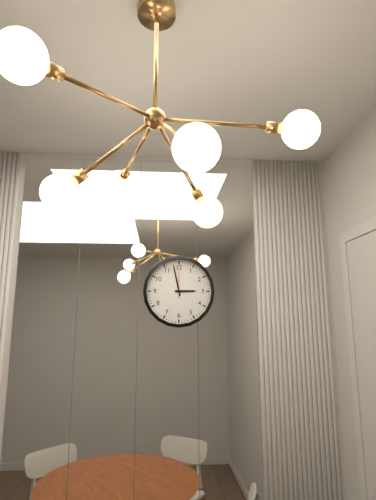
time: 2:58
